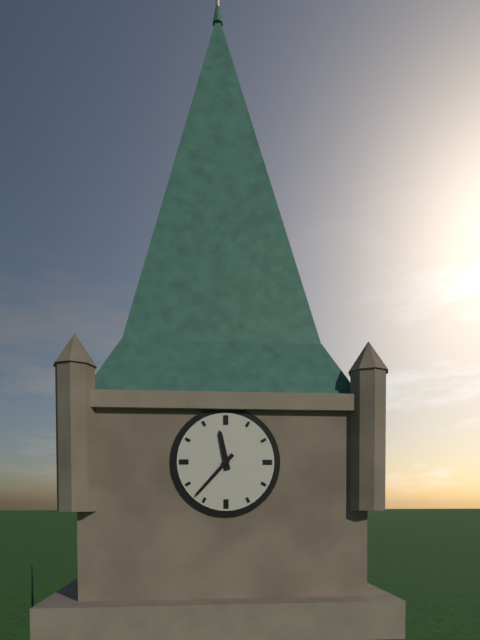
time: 11:37
